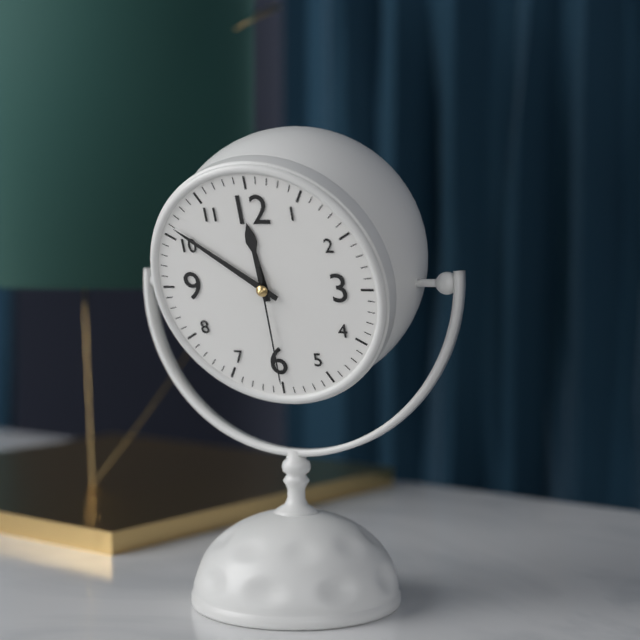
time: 11:51:30
